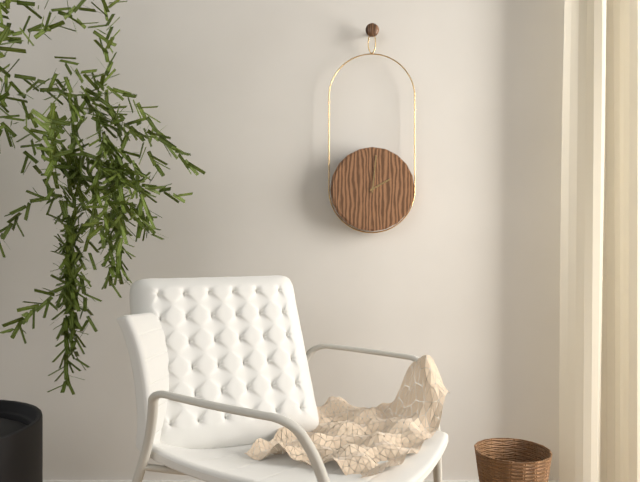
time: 2:01
